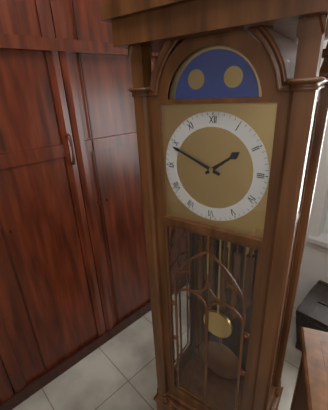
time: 1:49
